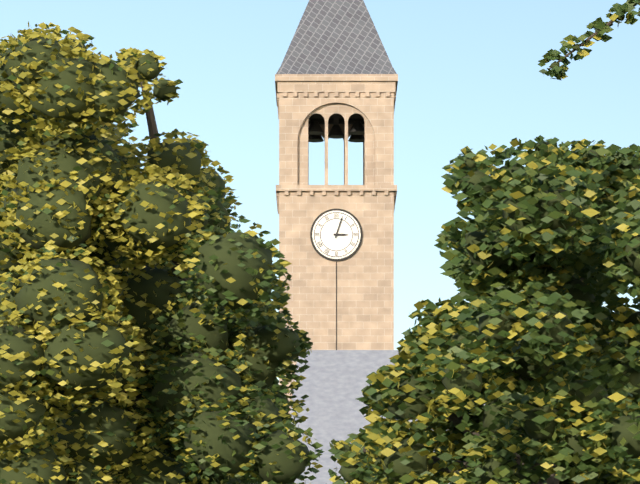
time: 3:03
